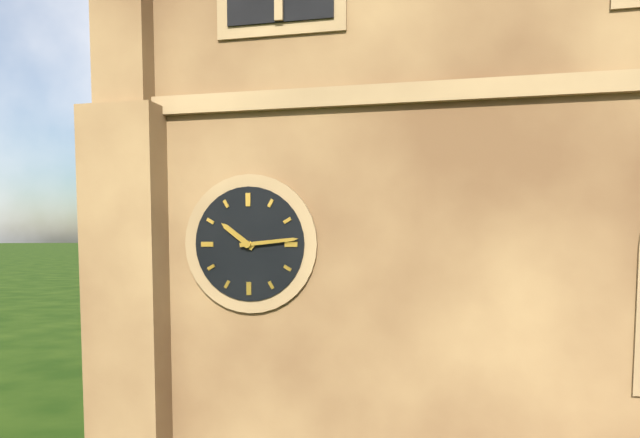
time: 10:14
